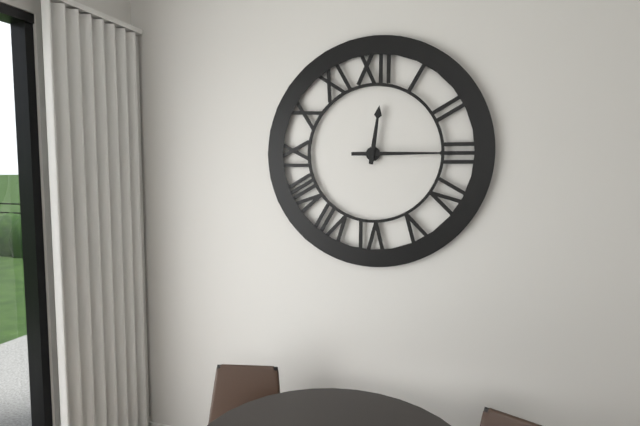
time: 12:15
